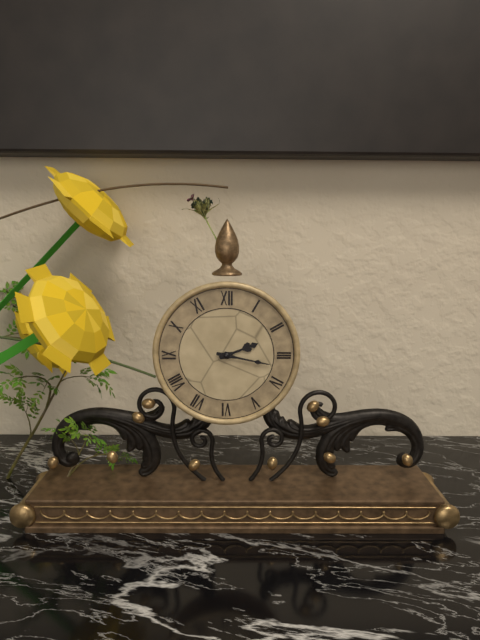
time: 2:17
